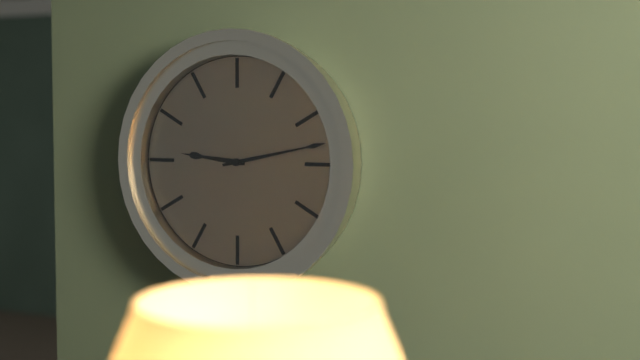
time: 9:13
